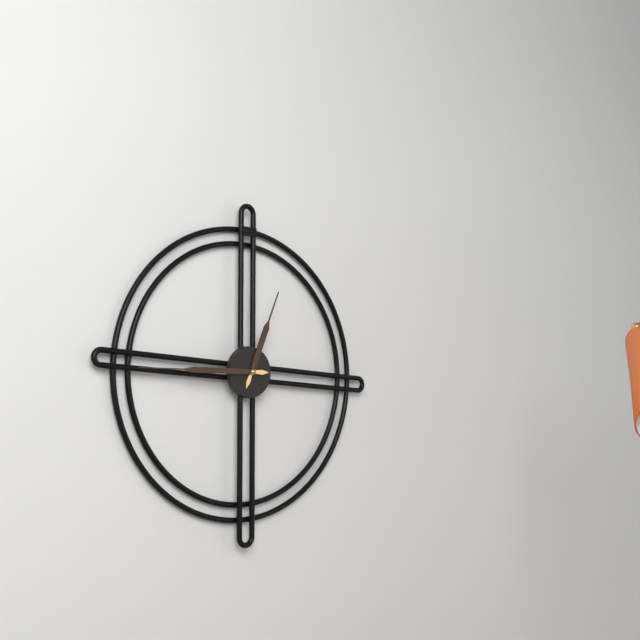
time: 12:45
